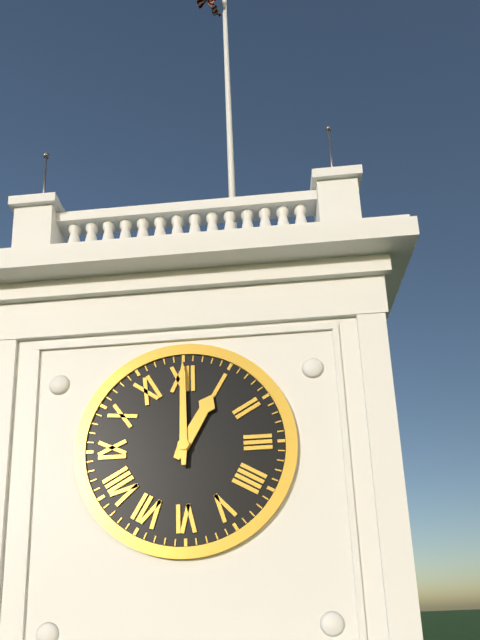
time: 1:00
